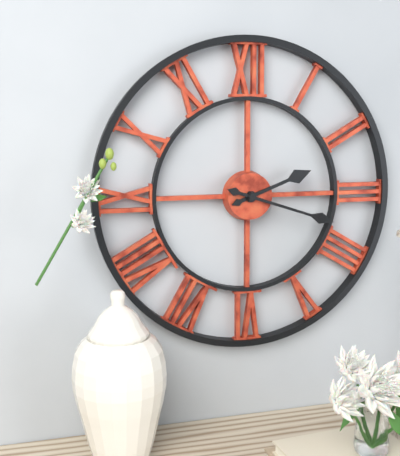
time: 2:18
